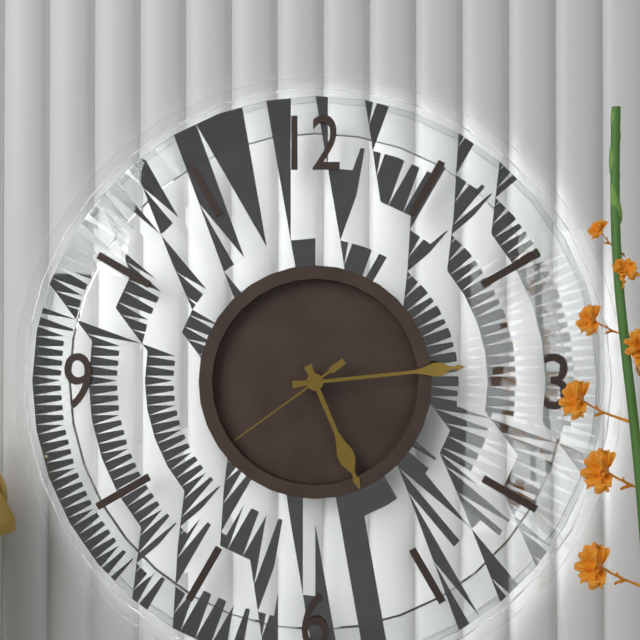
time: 5:14:39
